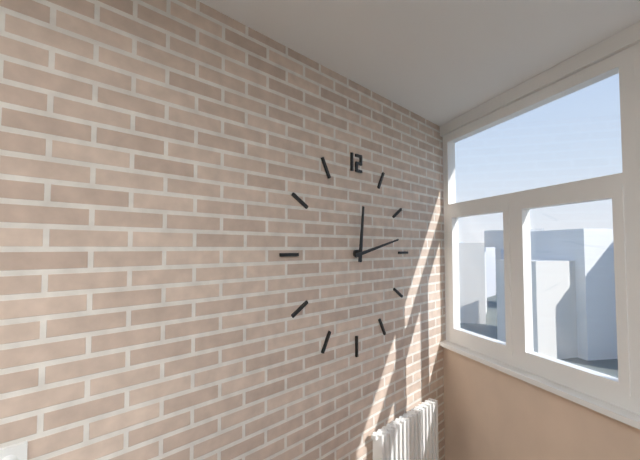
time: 12:13
